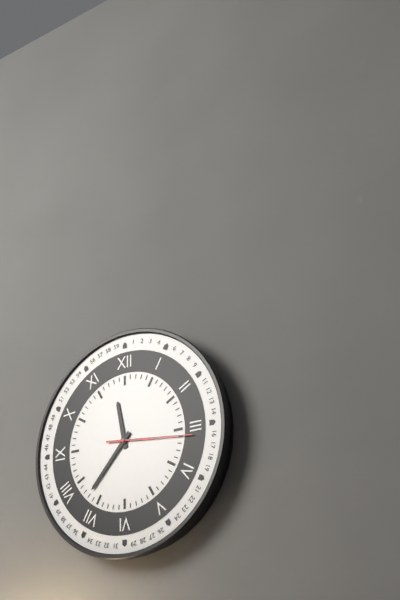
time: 11:37:16
